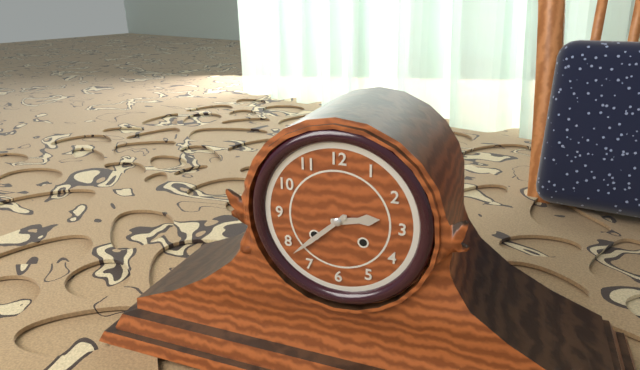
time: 2:38
